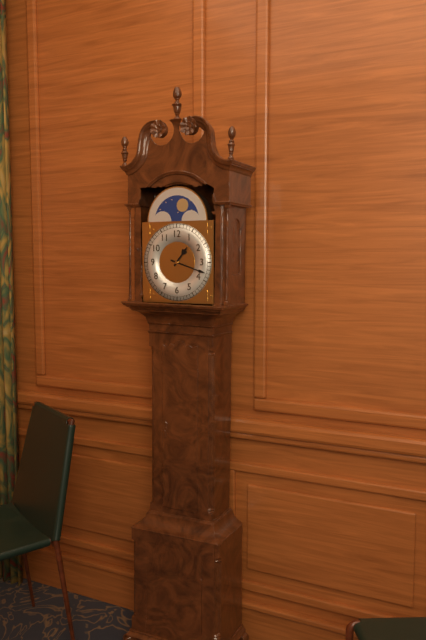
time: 1:18
